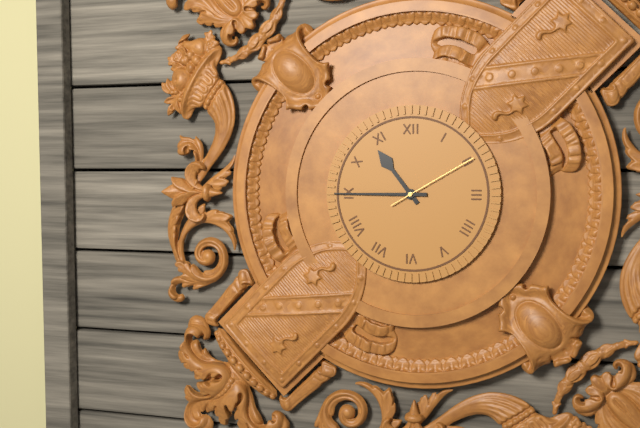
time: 10:45:10
